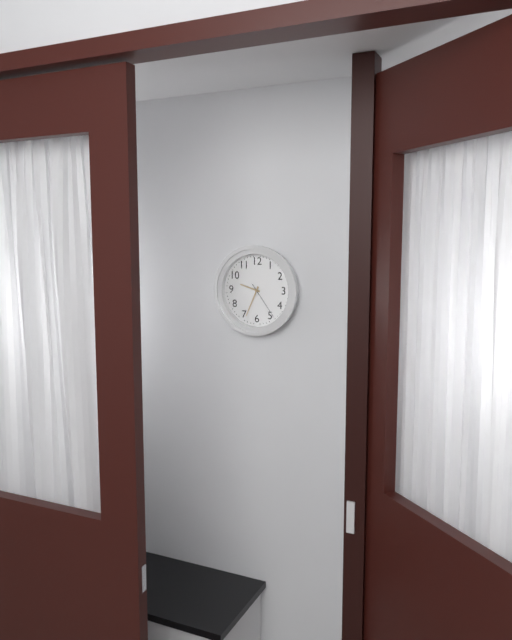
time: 9:34
